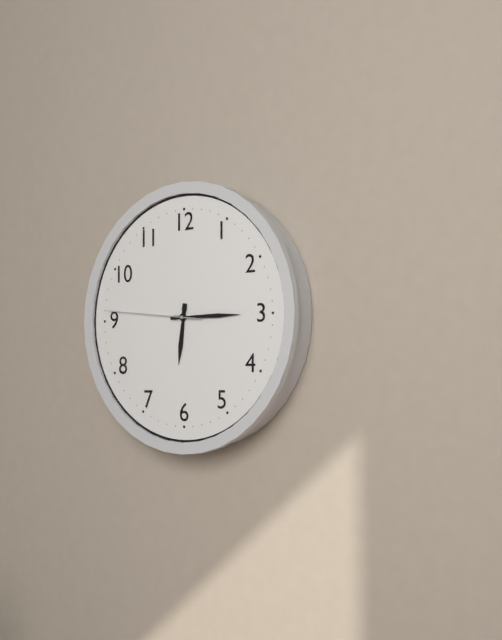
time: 6:15:46
